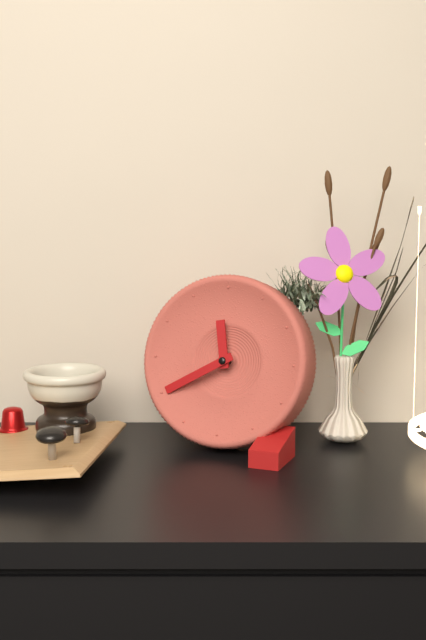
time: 11:40
